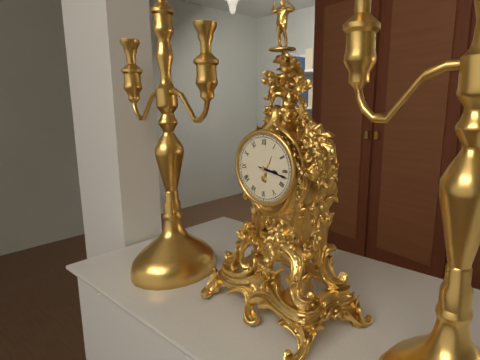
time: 3:17
